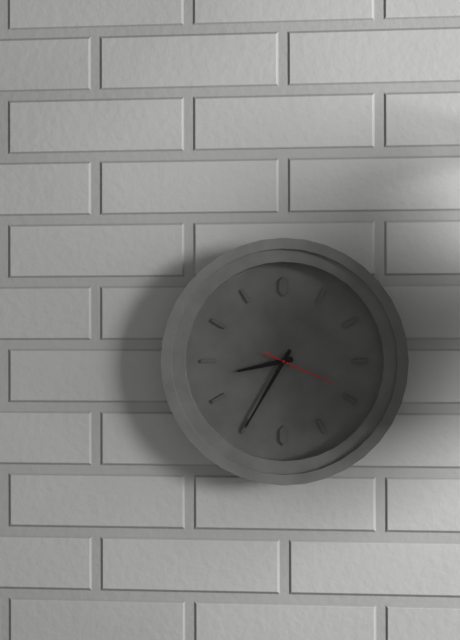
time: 8:35:19
